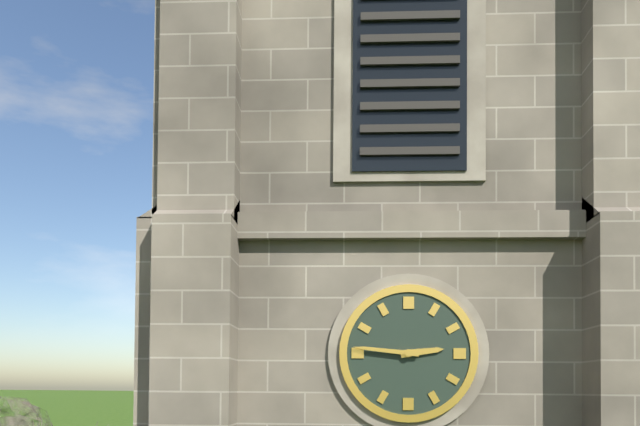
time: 2:46
